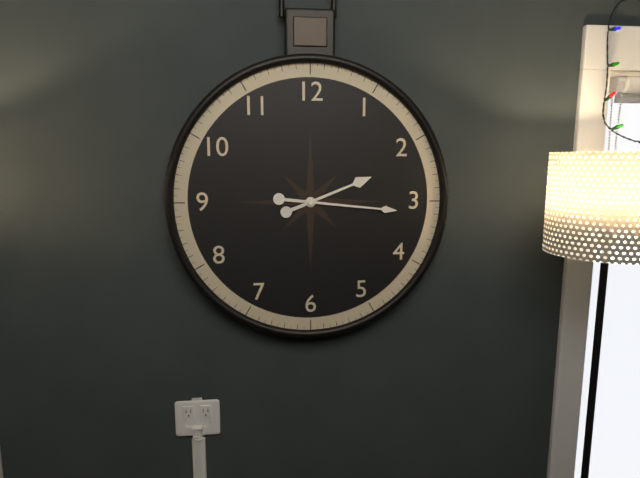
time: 2:16
